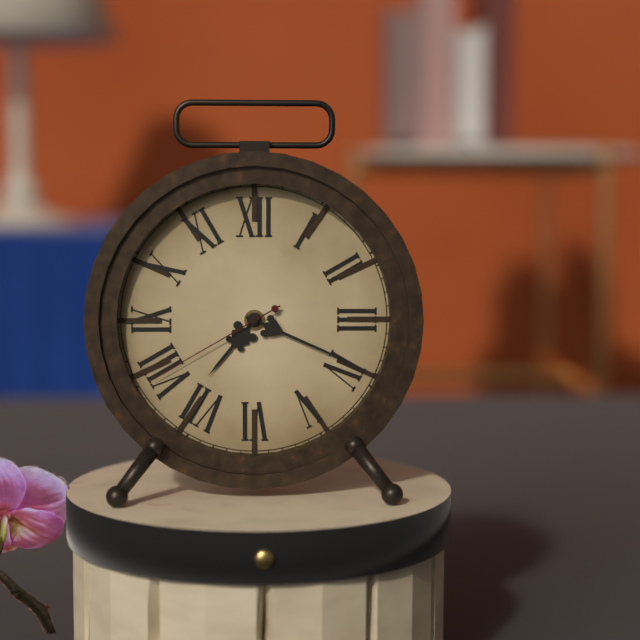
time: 7:19:40
